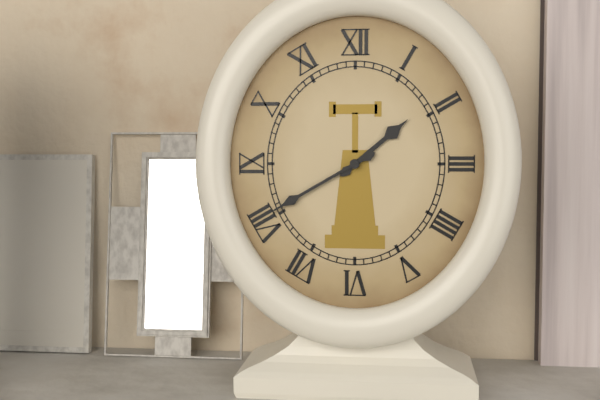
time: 1:40
